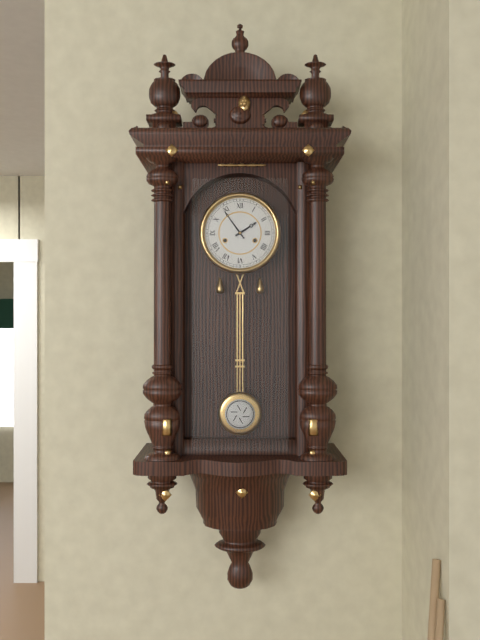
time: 1:54
